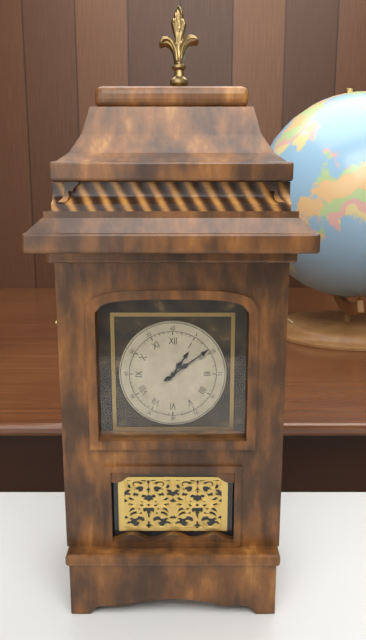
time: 1:09
